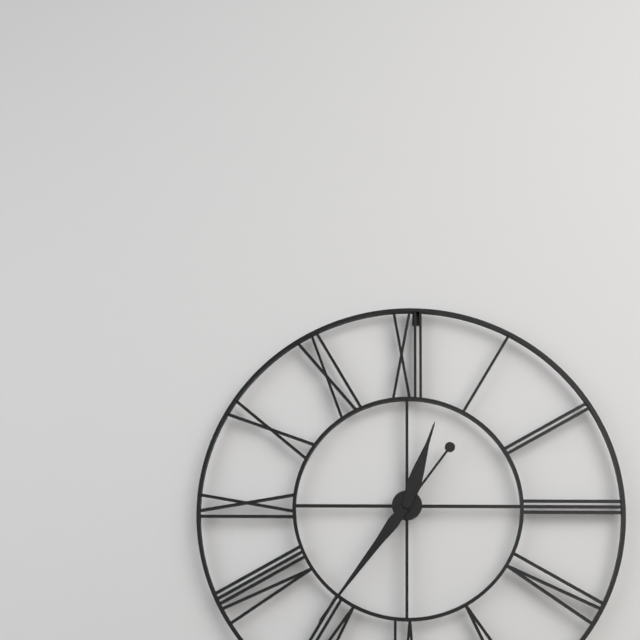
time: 12:36
